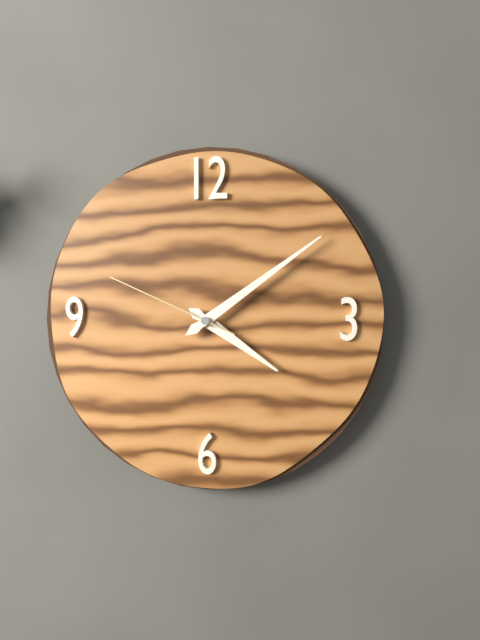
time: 4:09:49
